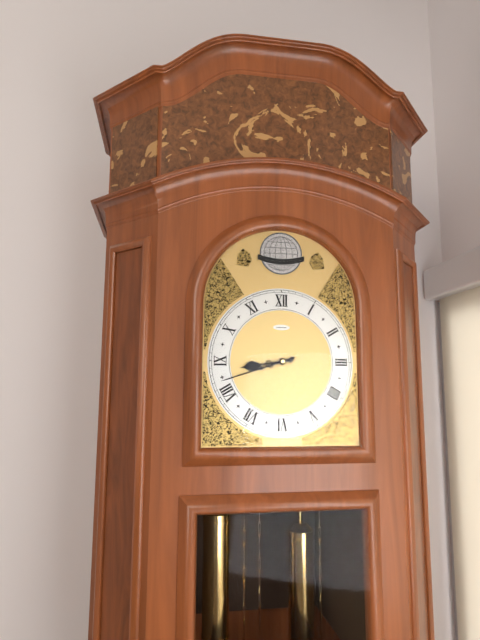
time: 8:42
